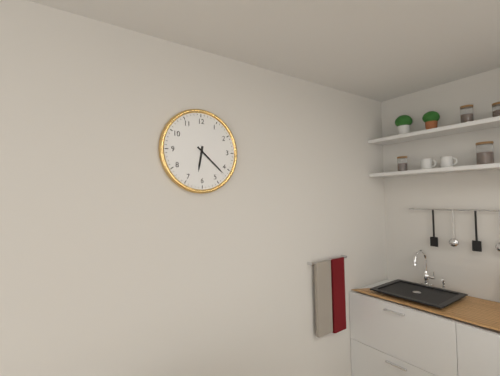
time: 6:22
